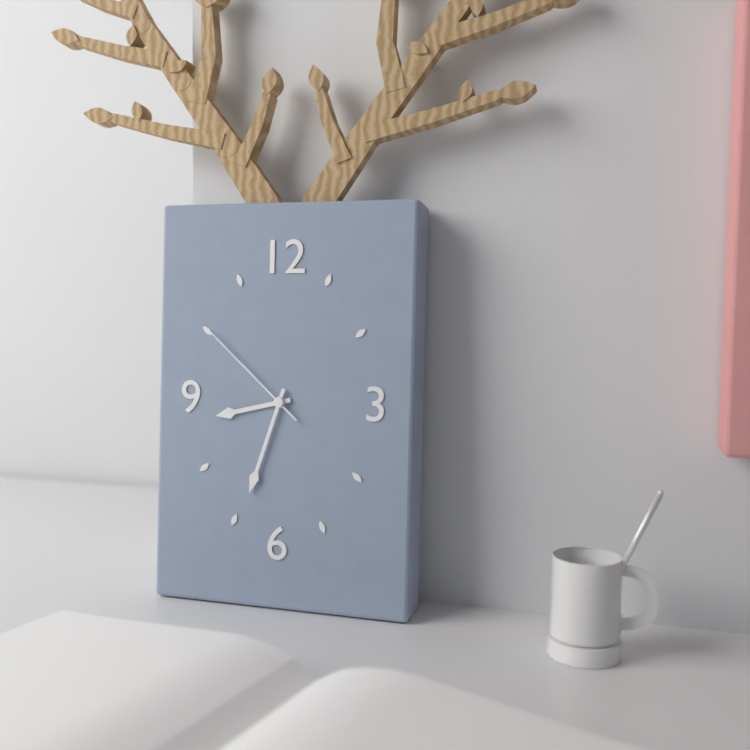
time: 8:33:52
